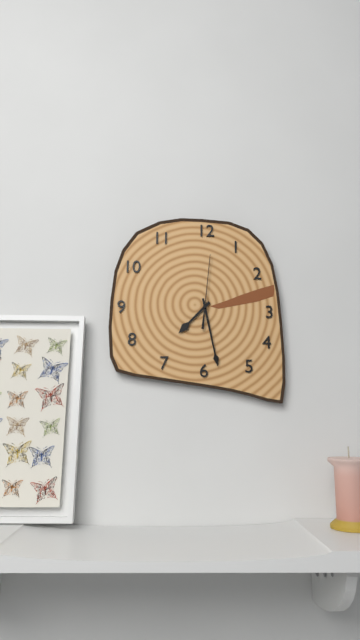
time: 7:28:01
